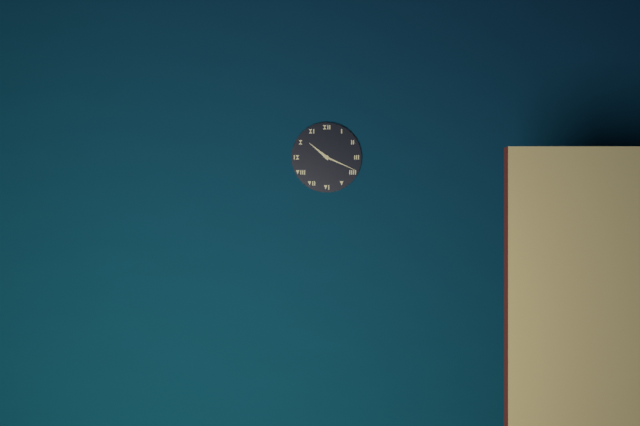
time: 10:19
